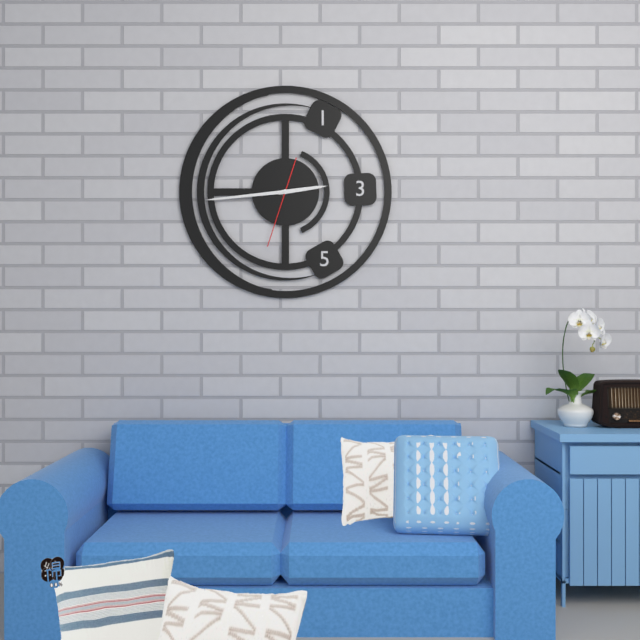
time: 2:44:33
